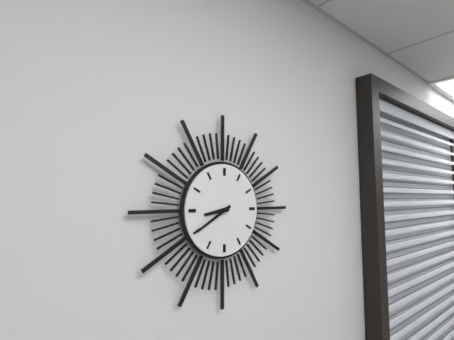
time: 8:40
